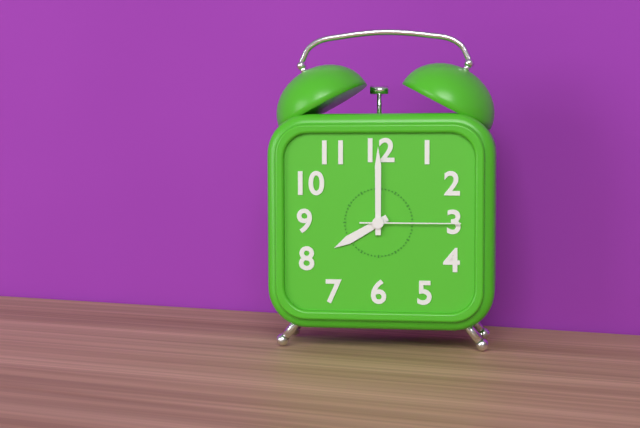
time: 8:00:15
